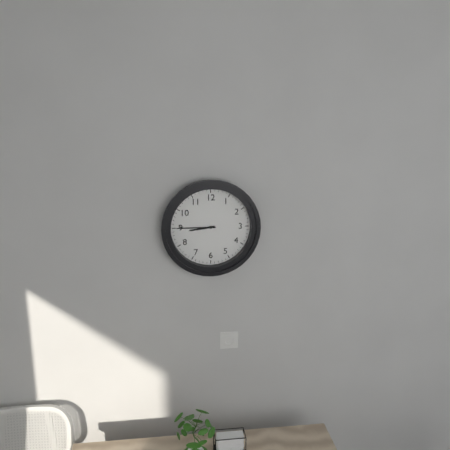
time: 8:45
